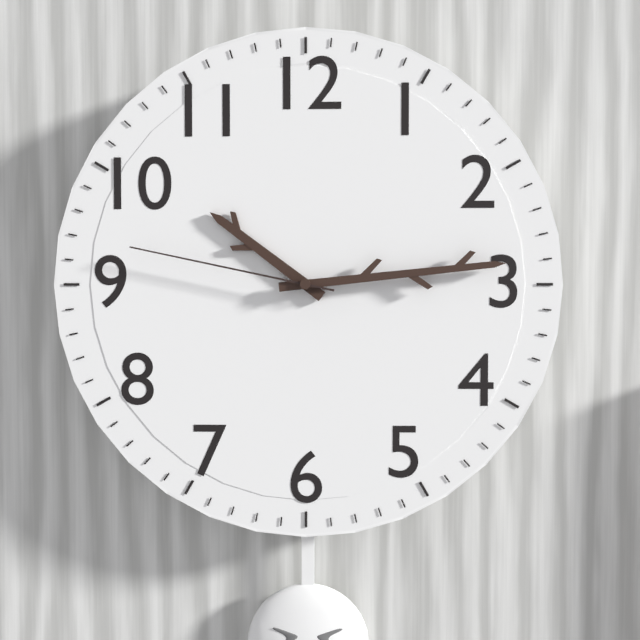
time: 10:14:47
